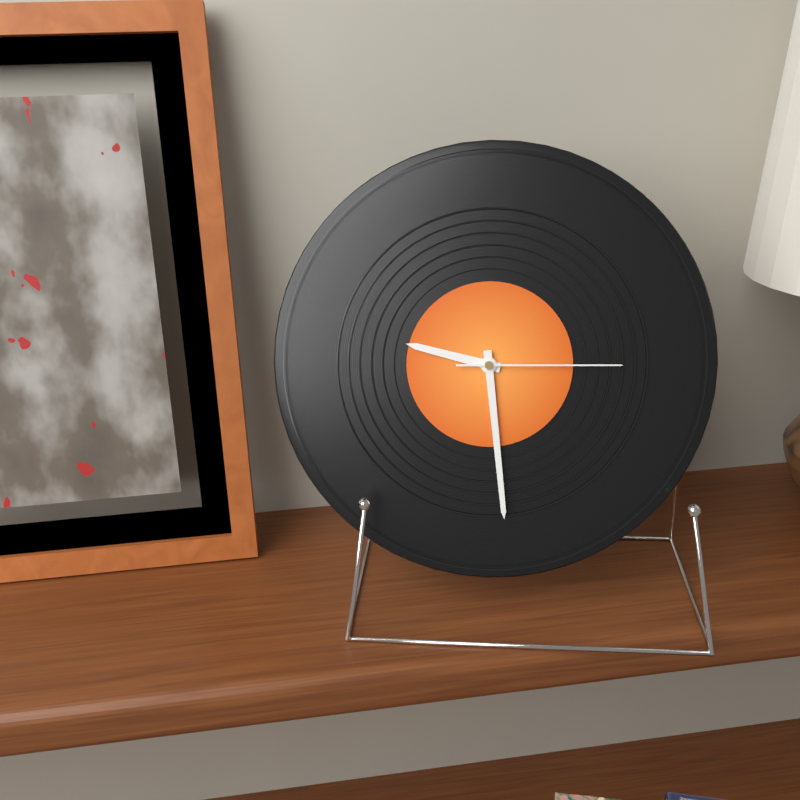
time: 9:29:15
